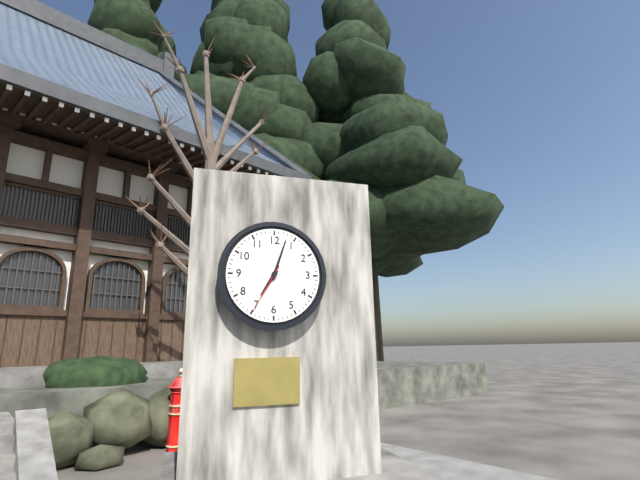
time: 7:03
